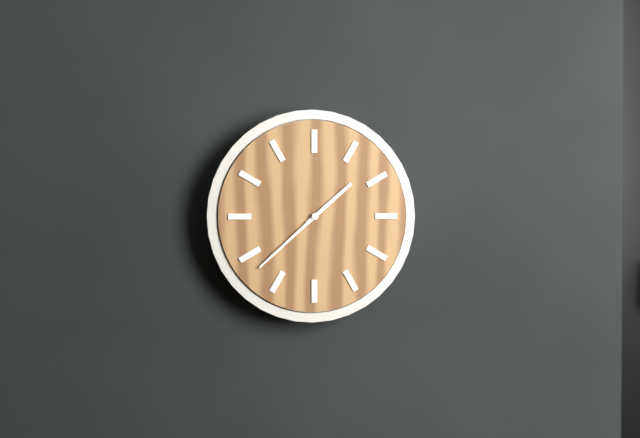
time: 1:38
